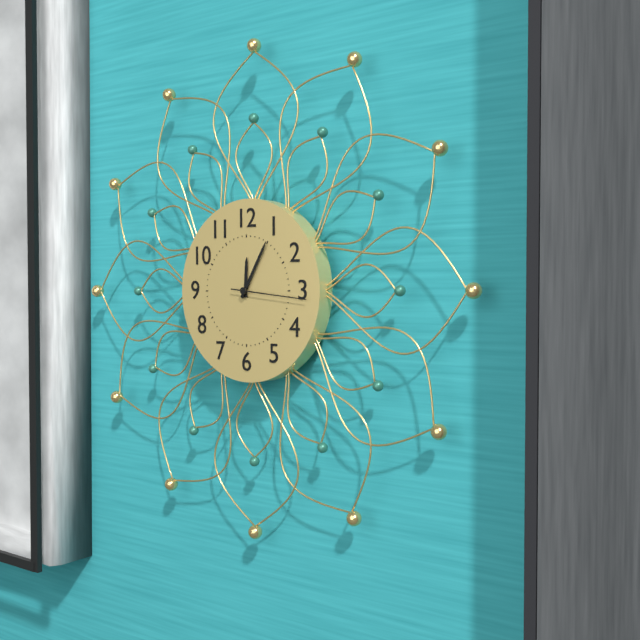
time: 12:05
